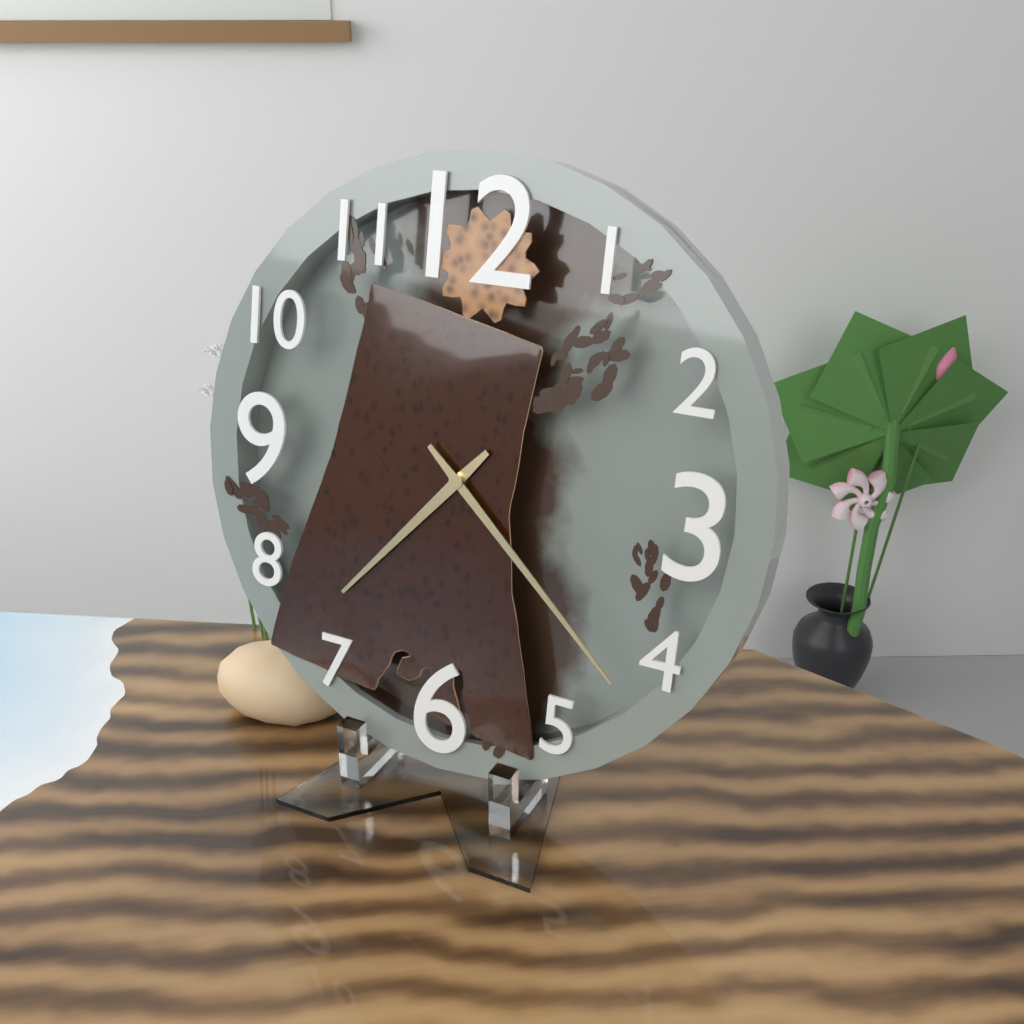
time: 7:22
